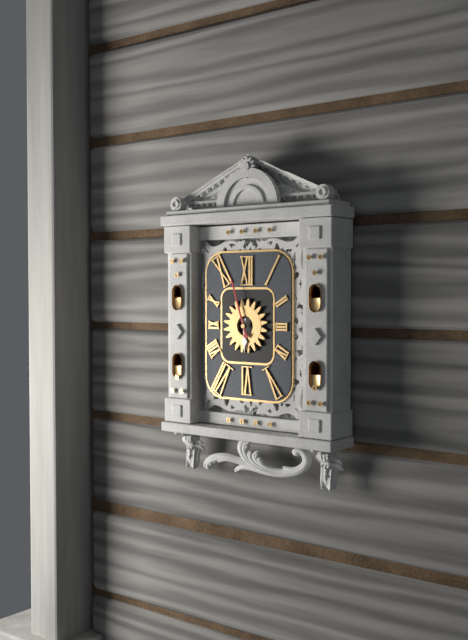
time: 5:57
